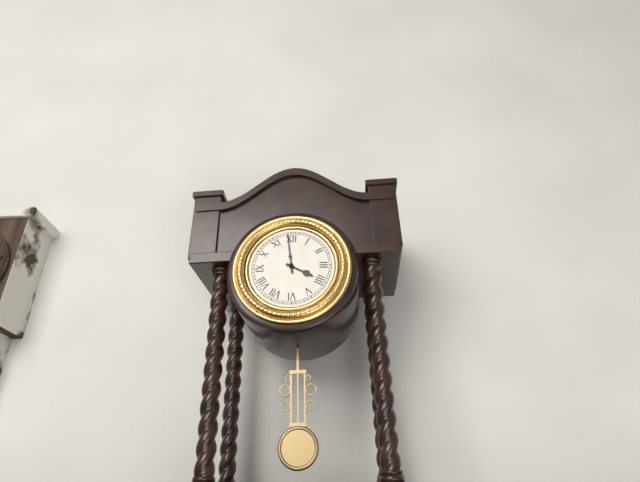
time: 3:59
